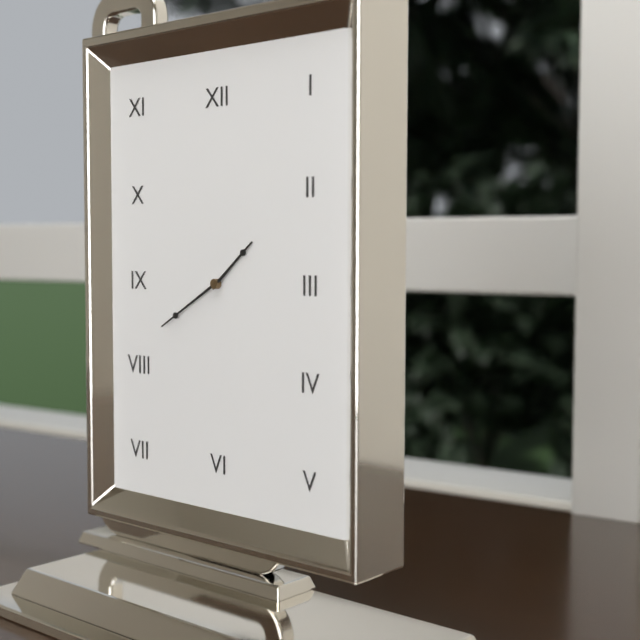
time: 1:40
